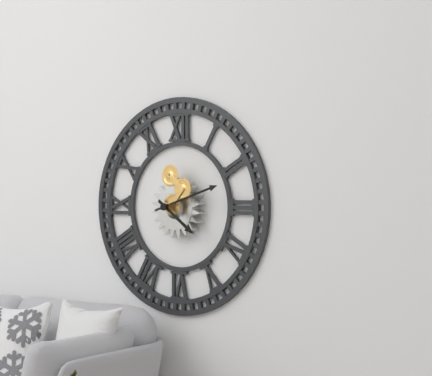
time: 4:12
